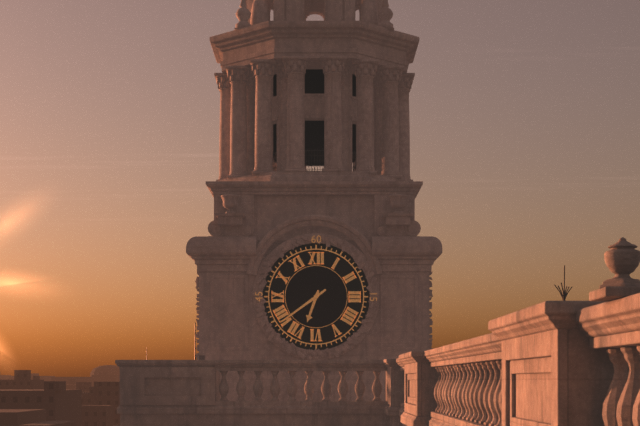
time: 6:39
